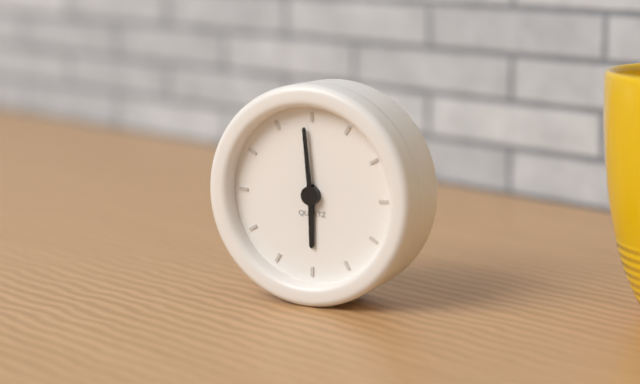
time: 5:59
